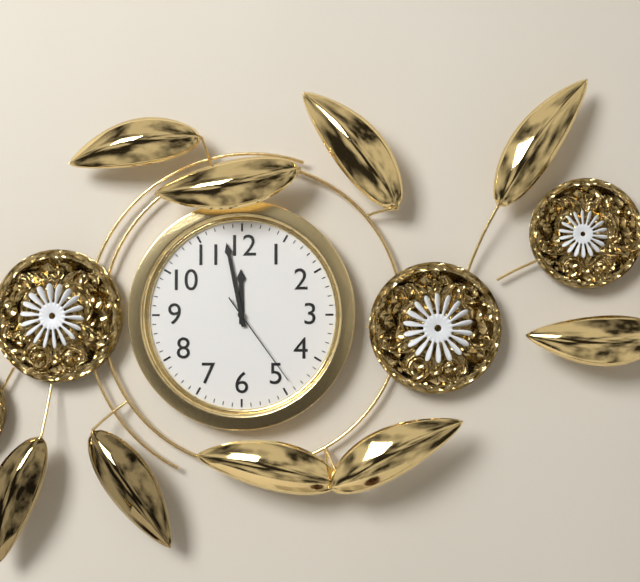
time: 11:58:24
